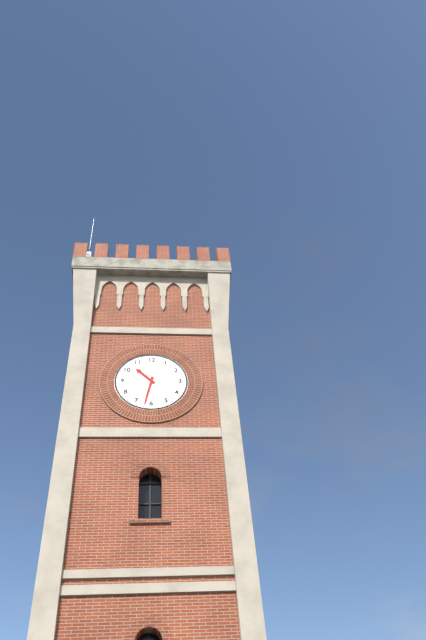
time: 10:32
